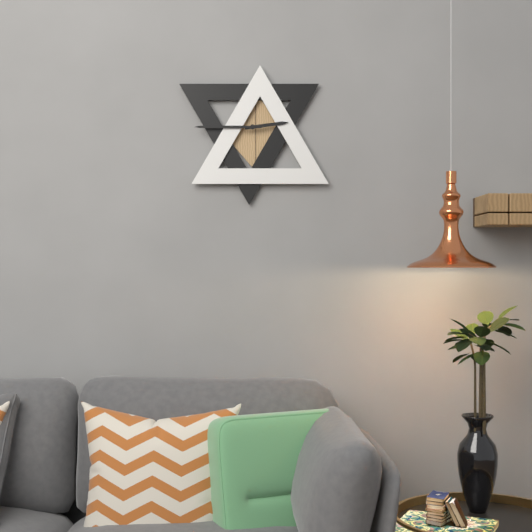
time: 2:45
